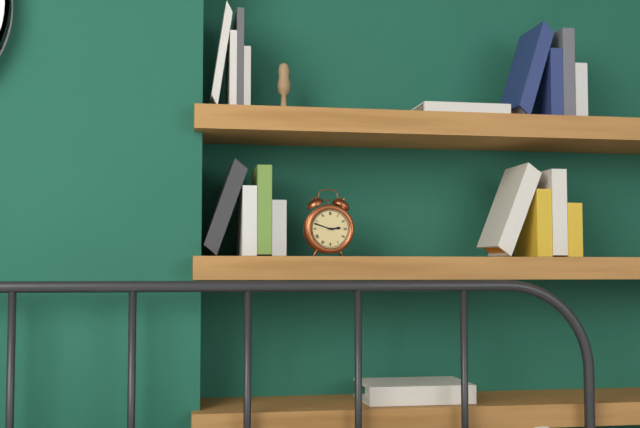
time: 2:48
